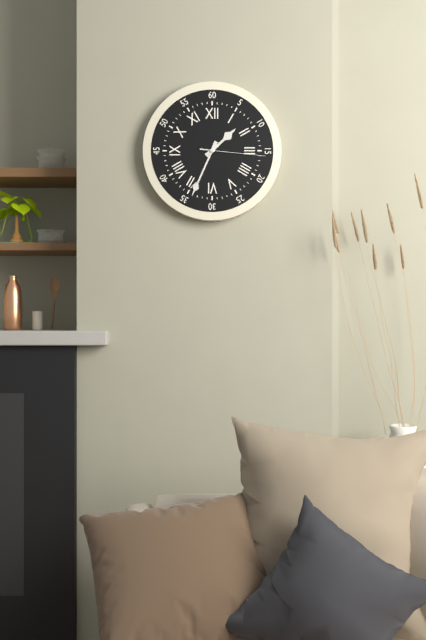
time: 1:34:16
